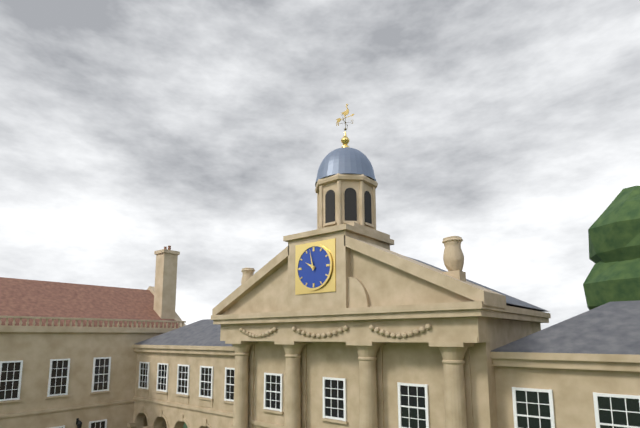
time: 9:58
